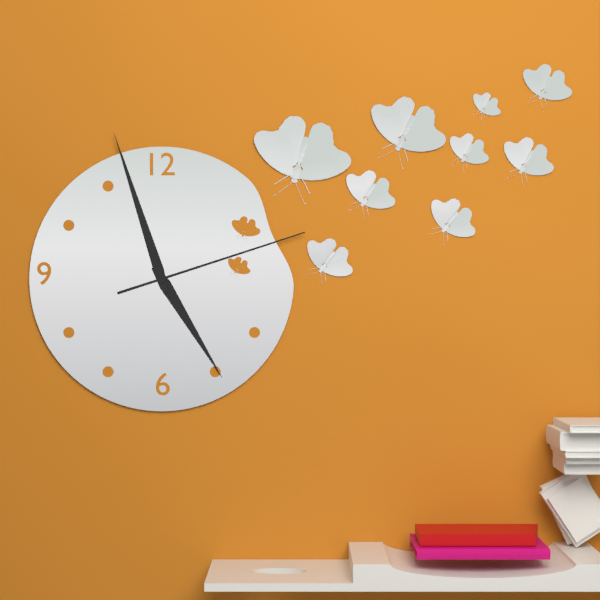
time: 4:57:12
